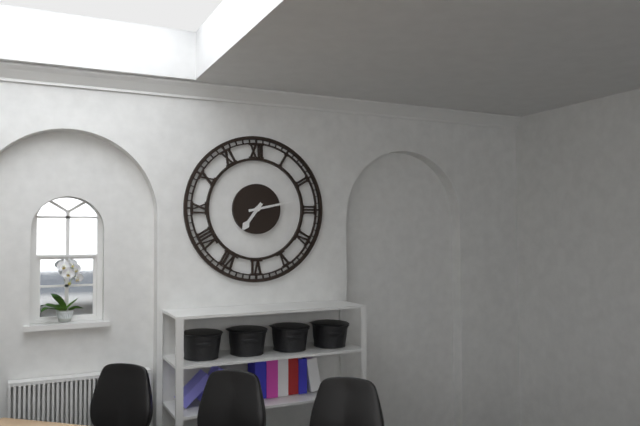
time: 7:13
